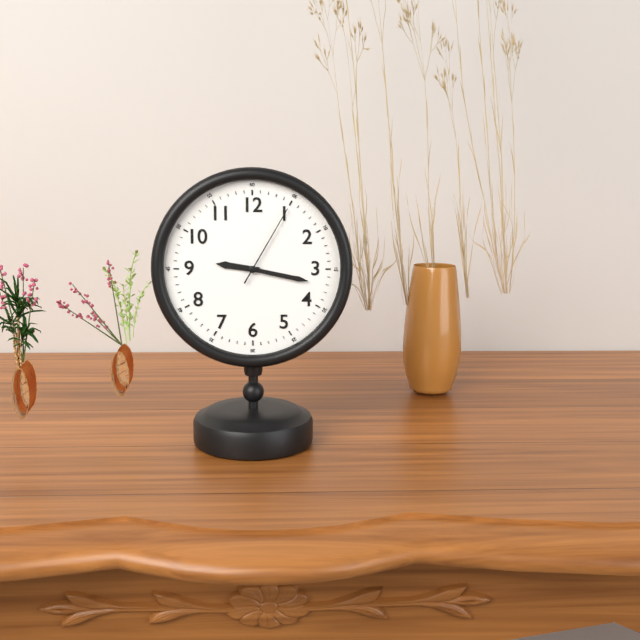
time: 9:17:05
